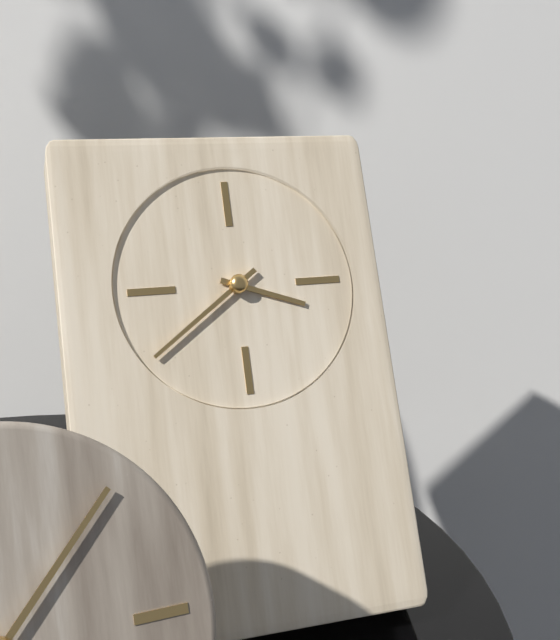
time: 3:39
